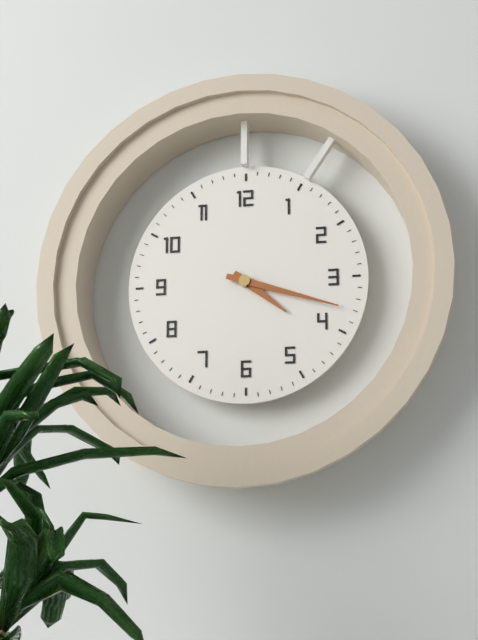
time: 4:18
